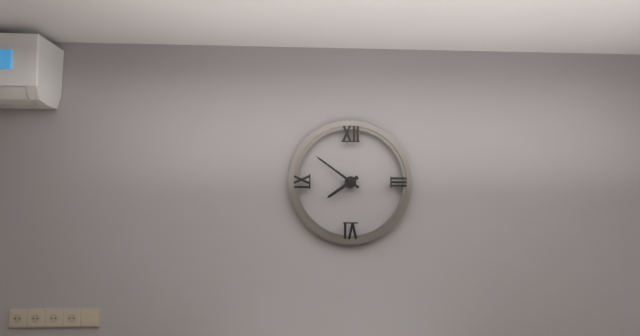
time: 7:51
